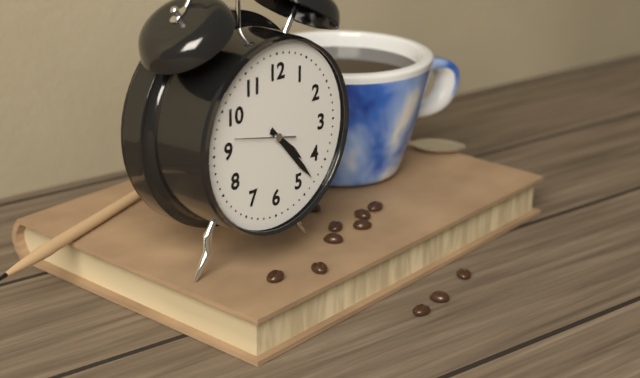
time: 4:23
